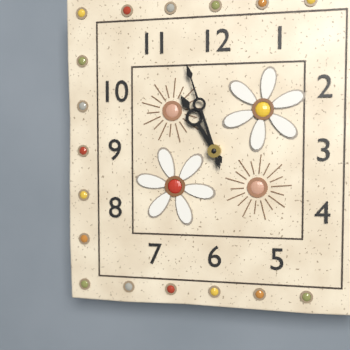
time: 10:57
